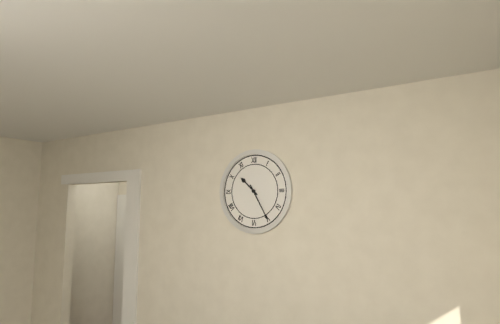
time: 10:25
